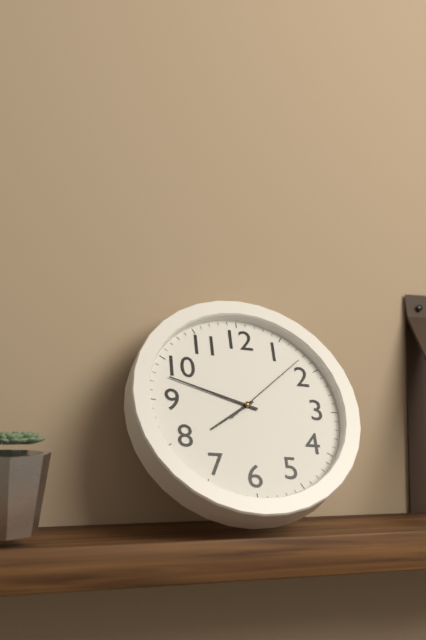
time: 7:48:08
